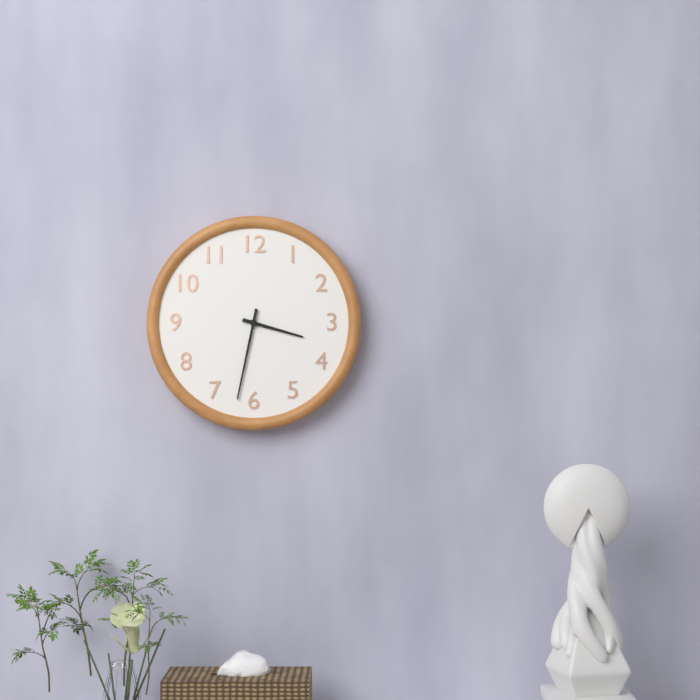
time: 3:32
